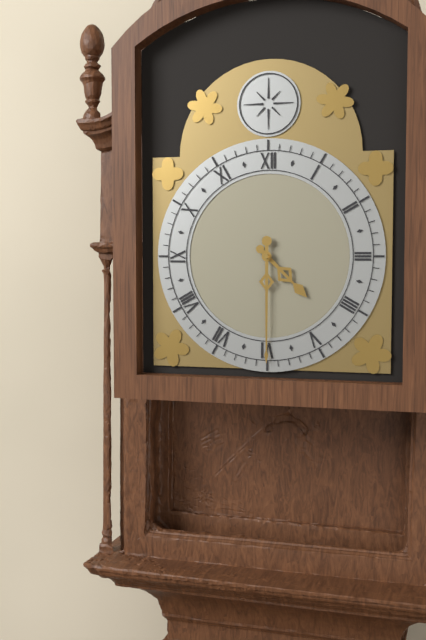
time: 4:30
